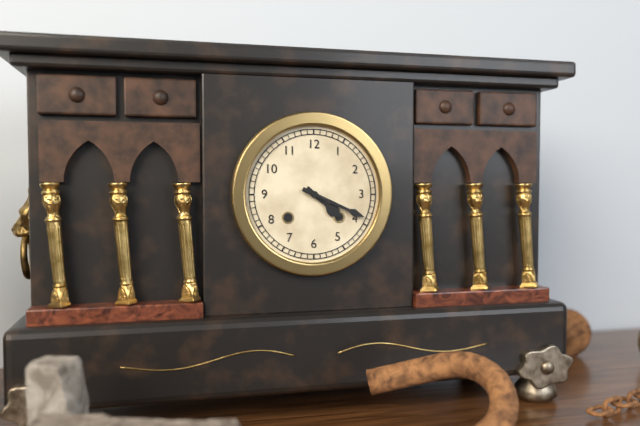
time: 4:19
